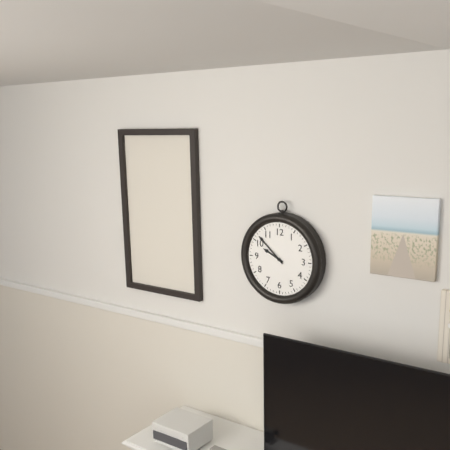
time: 9:52
